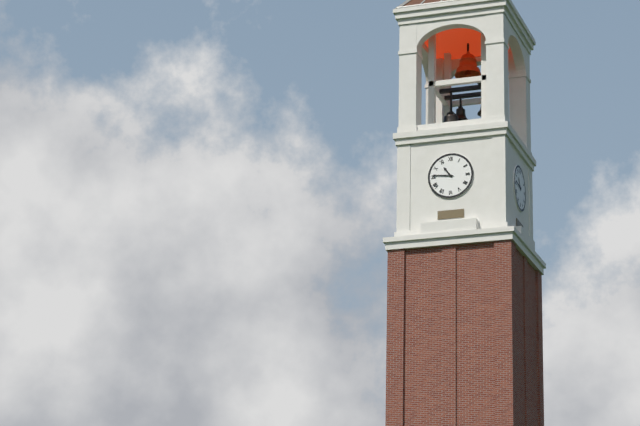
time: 10:46
